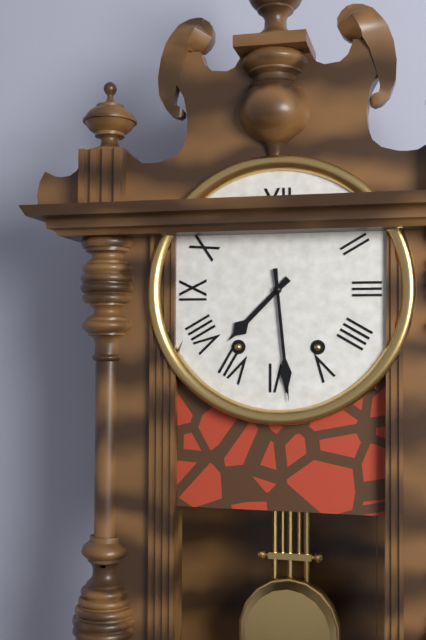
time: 7:29
